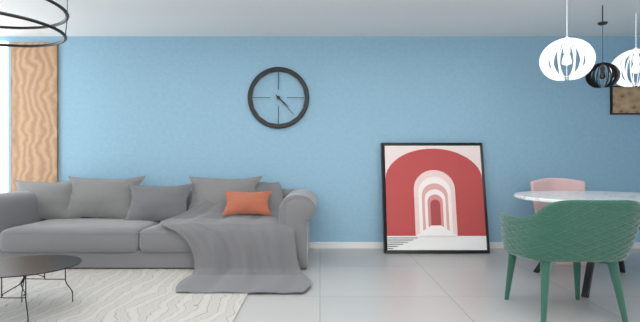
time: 4:23
